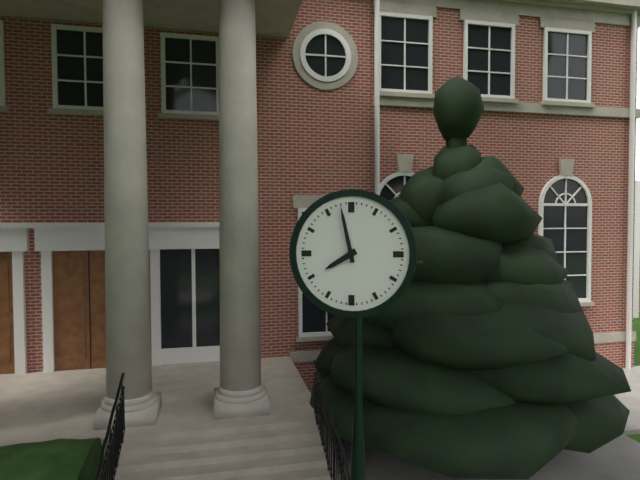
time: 7:58
